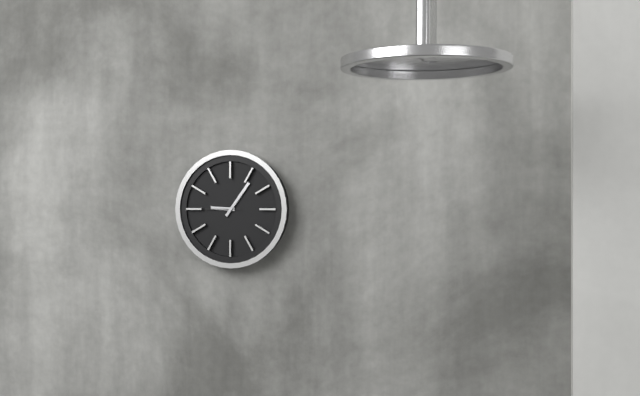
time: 9:06:45
